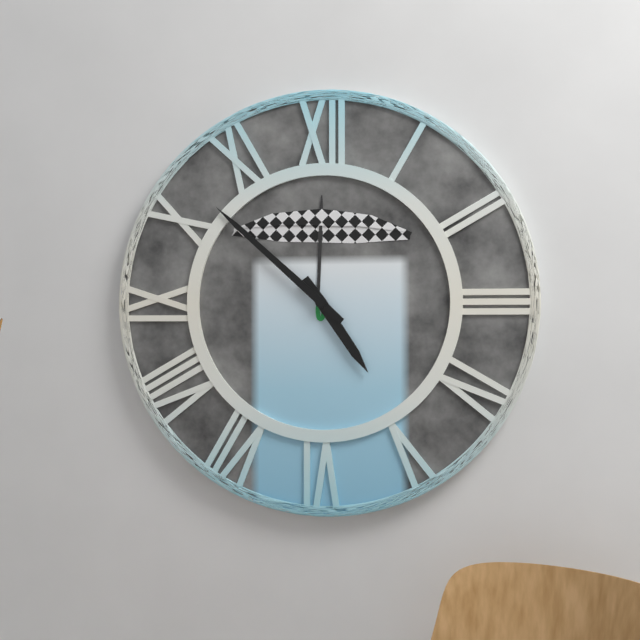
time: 4:52
